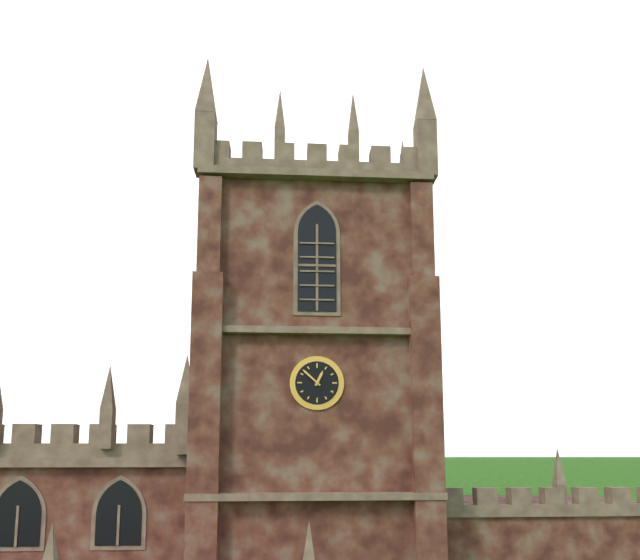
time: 12:52
